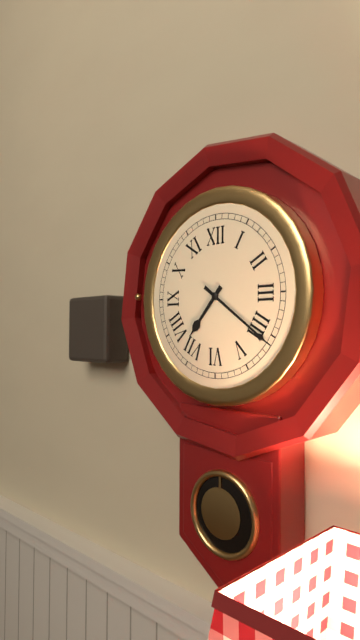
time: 7:21
